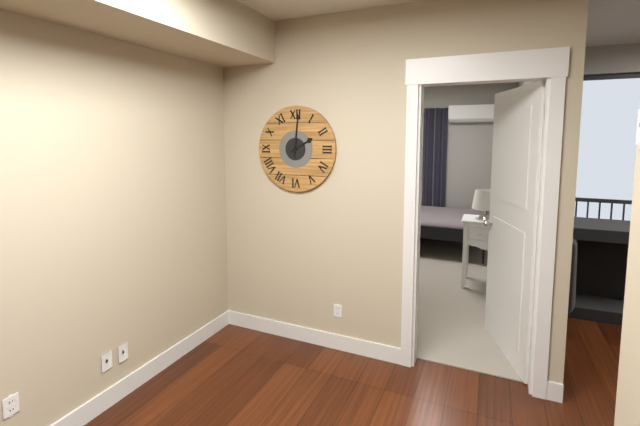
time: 2:01
